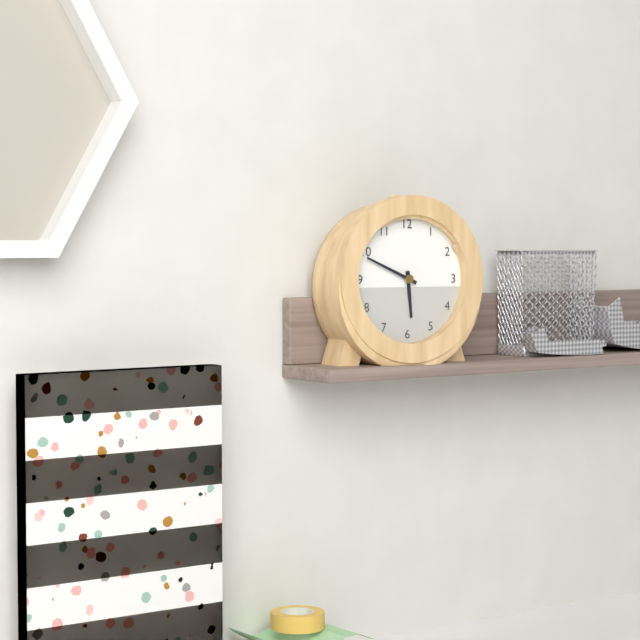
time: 5:49
